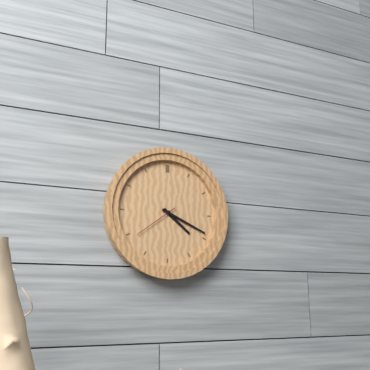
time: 4:19
